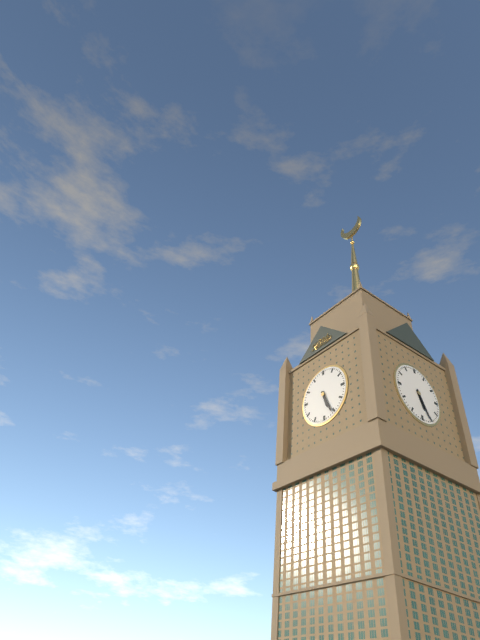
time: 5:26
